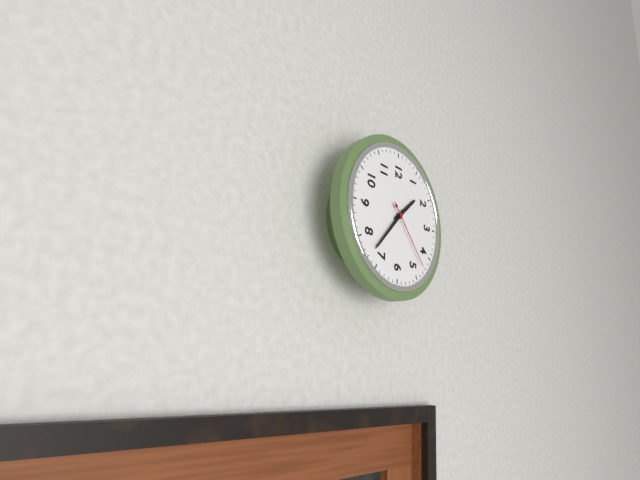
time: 1:37:23
